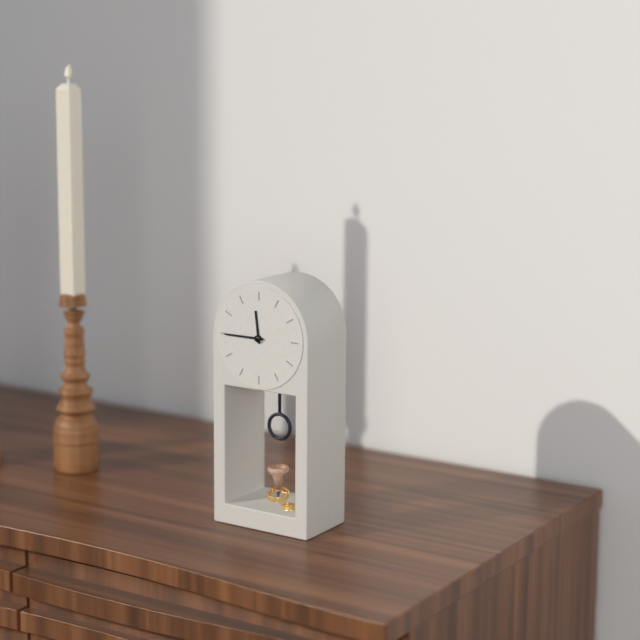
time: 11:45
